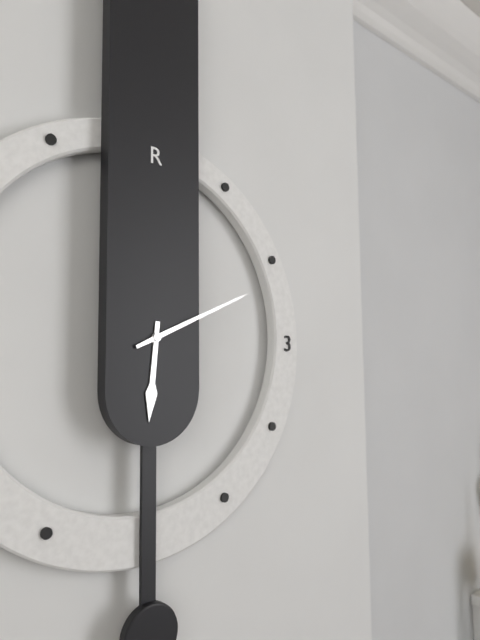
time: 6:11
